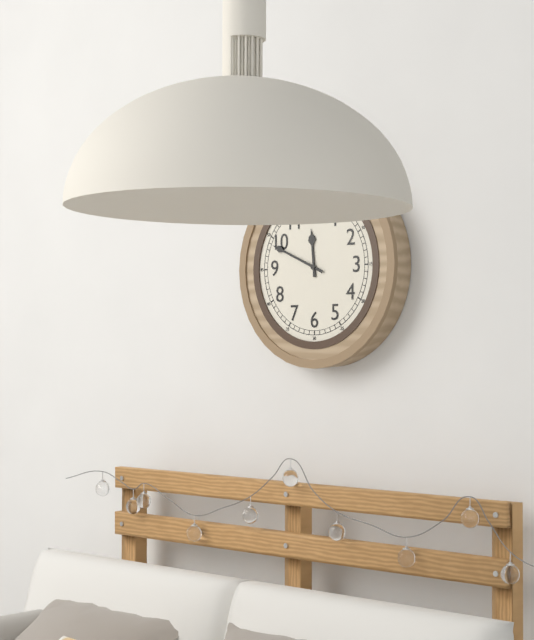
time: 11:49
